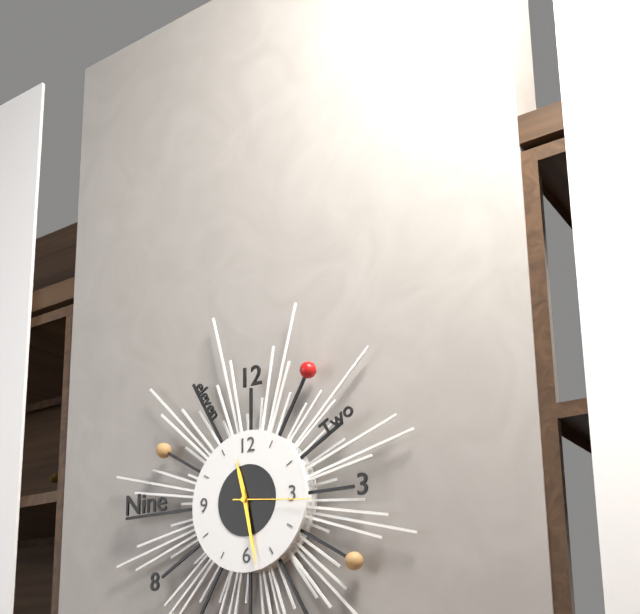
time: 11:28:16
